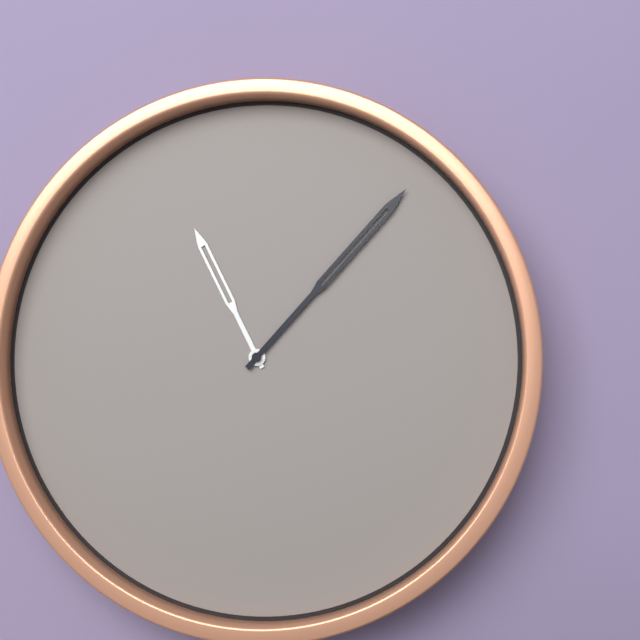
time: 11:07
